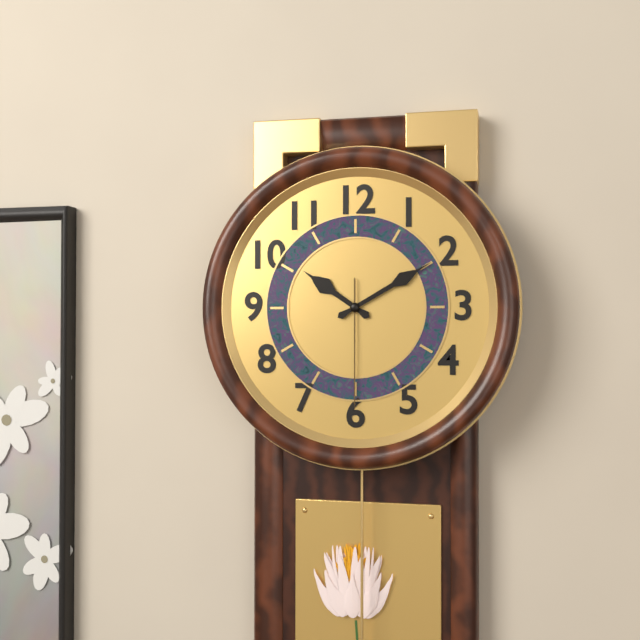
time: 10:10:30
